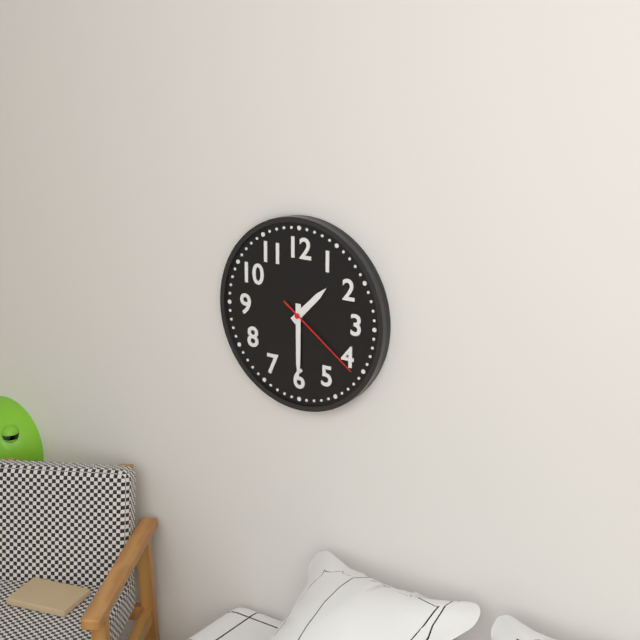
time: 1:30:21
